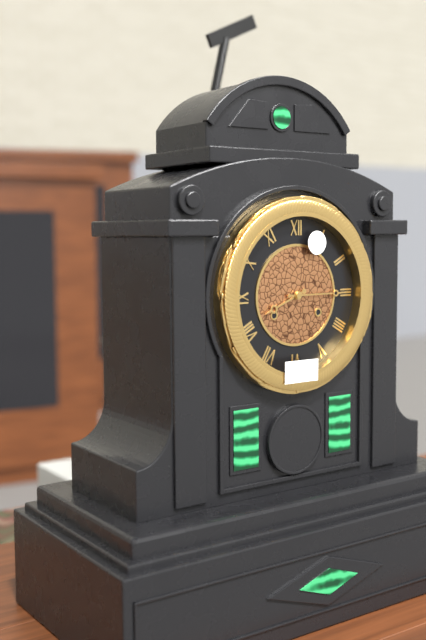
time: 8:15
